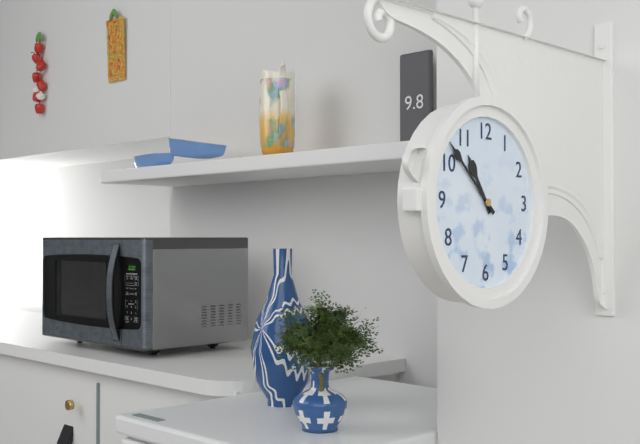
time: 10:52
